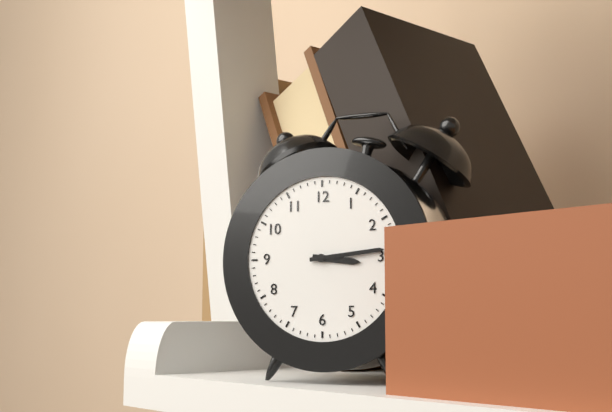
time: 3:14
